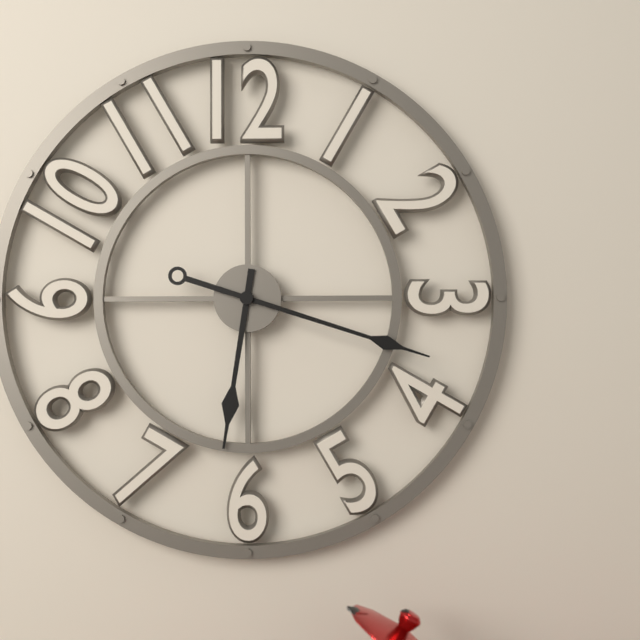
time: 6:18
